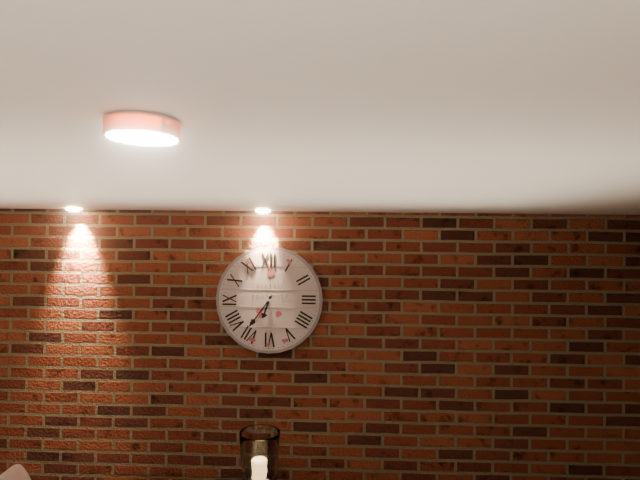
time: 6:36
